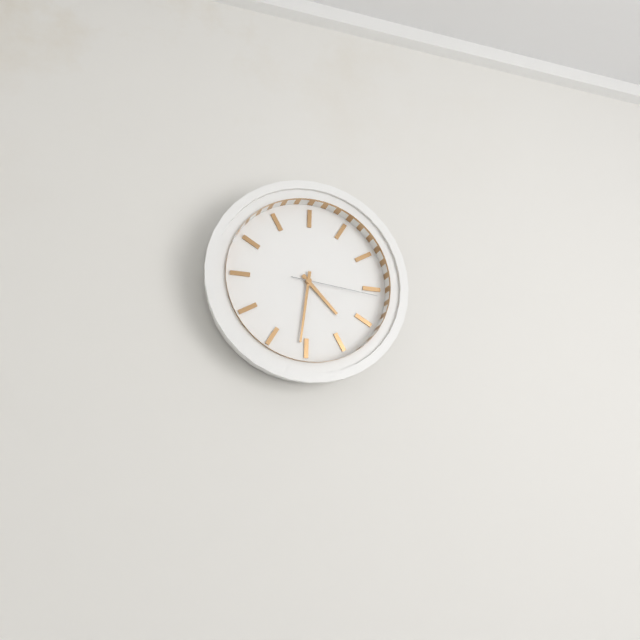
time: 4:31:16
